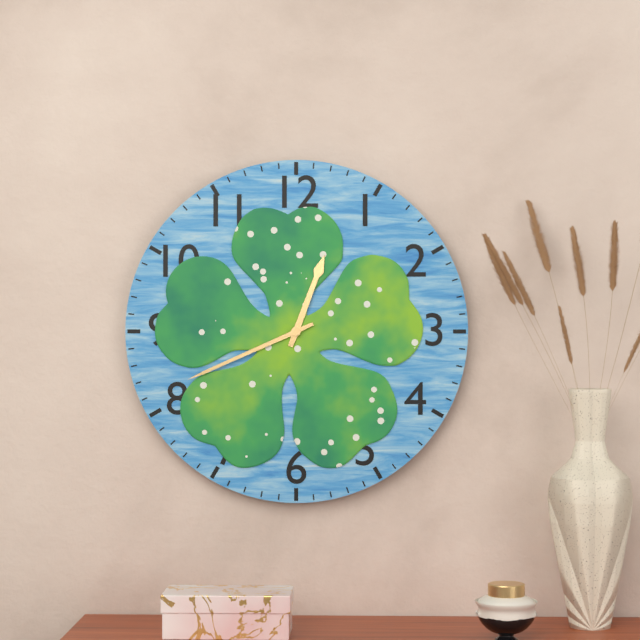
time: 12:41
